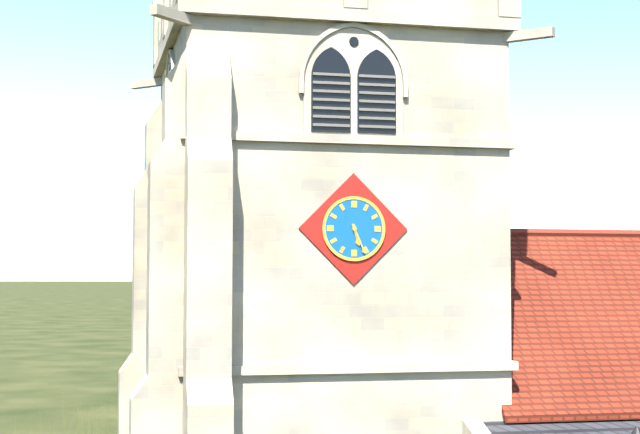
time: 5:26
